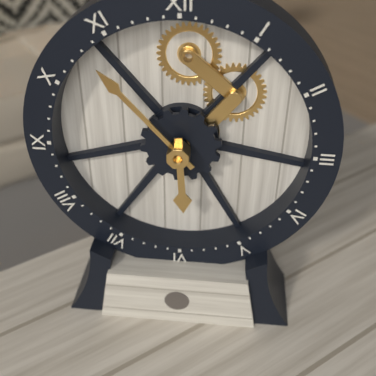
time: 5:53
